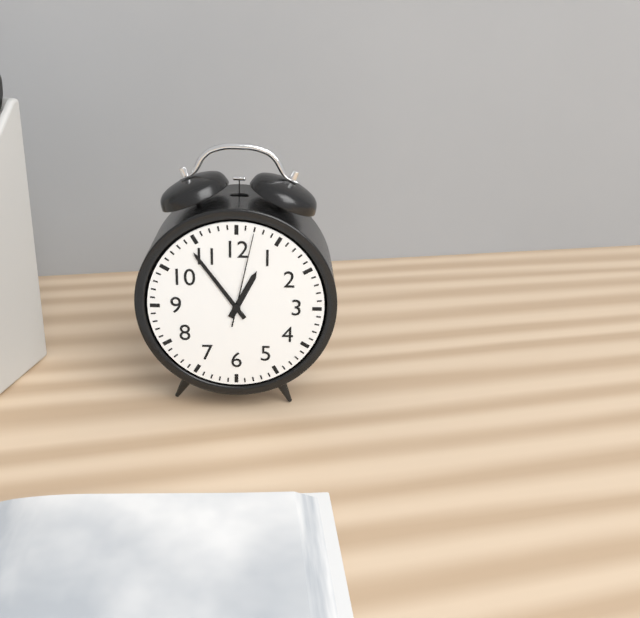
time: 12:54:02
